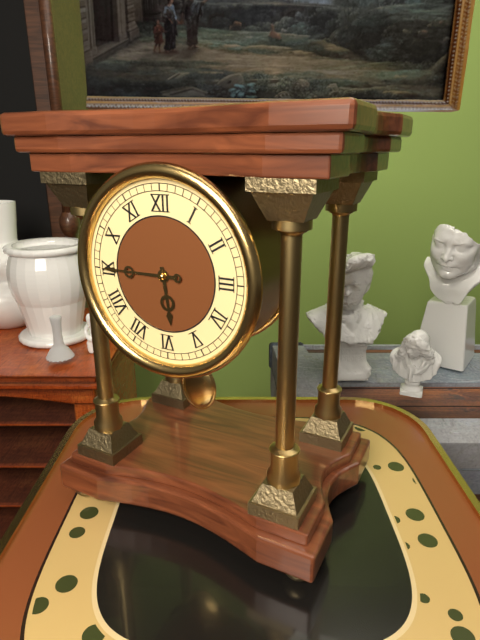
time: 5:45
